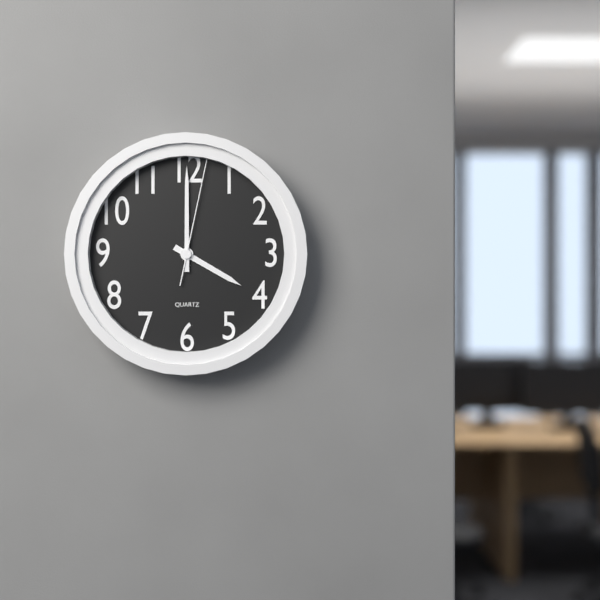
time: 4:00:02
